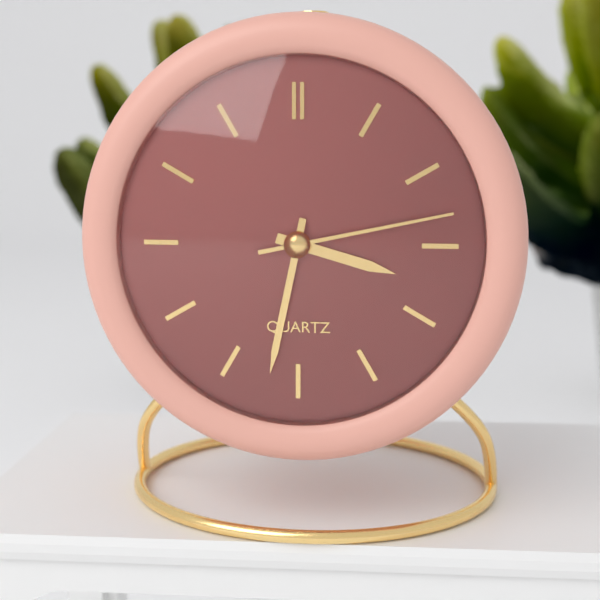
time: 3:32:13
